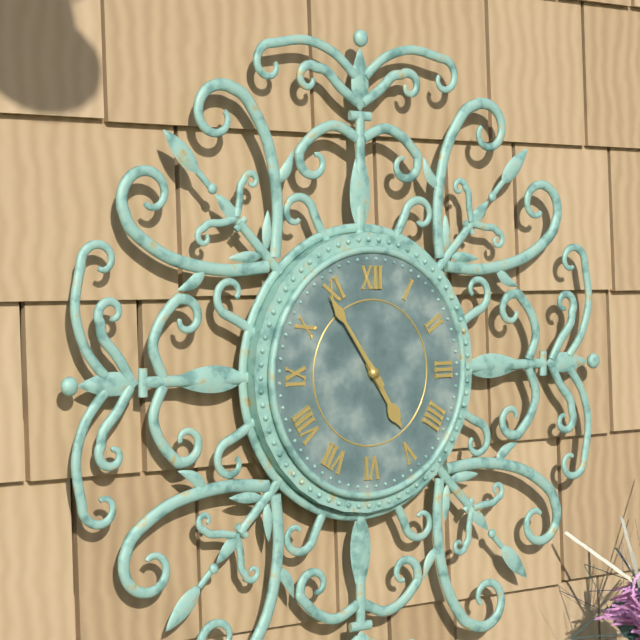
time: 4:54
